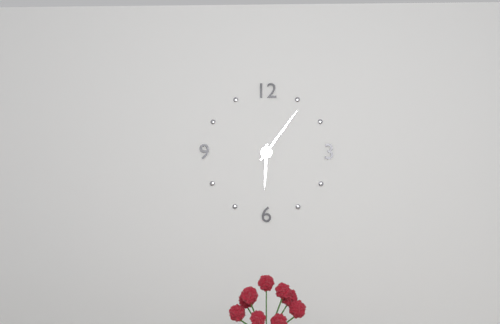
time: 6:06
